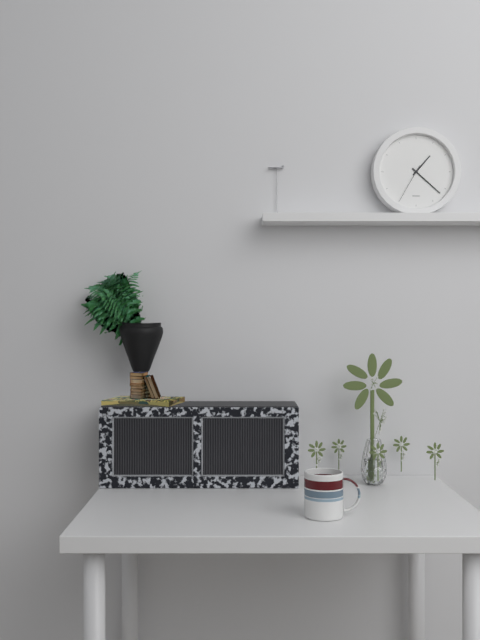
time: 1:22
